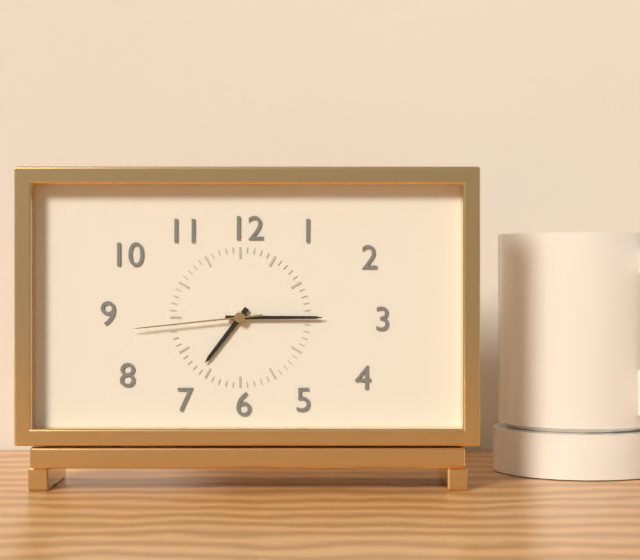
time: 7:15:44
